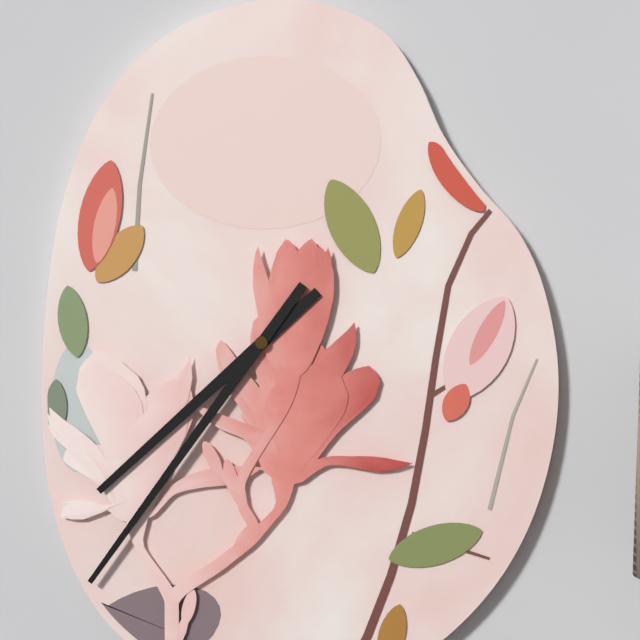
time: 7:36
